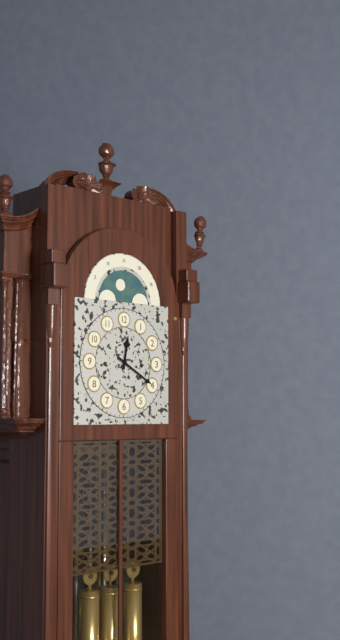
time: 12:20
